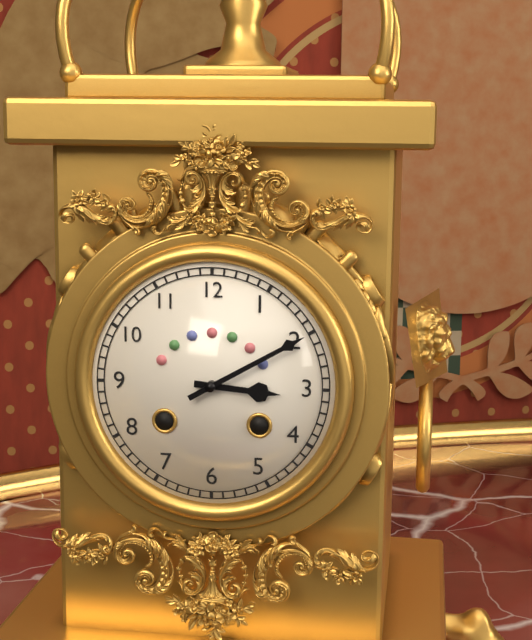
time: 3:10
